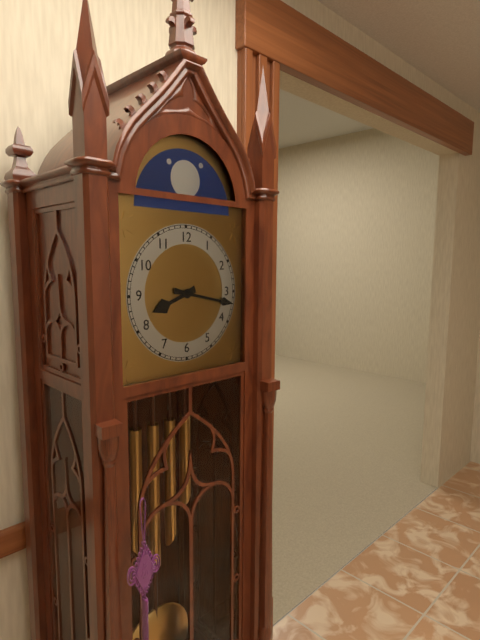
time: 8:17
